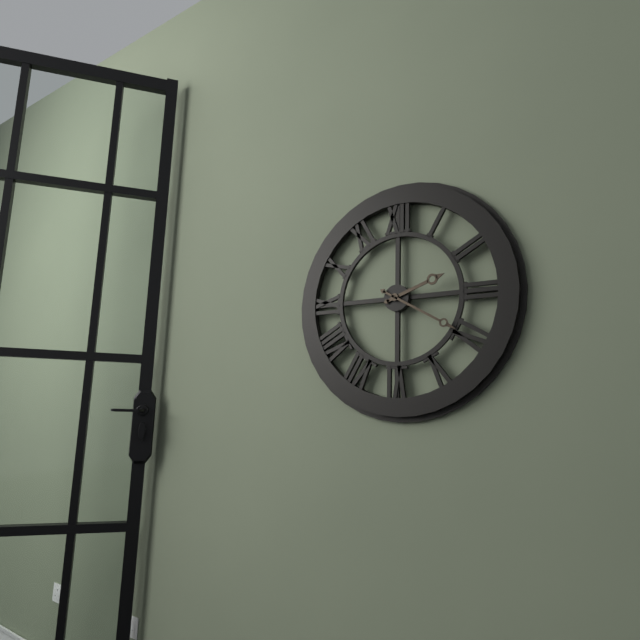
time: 2:20
